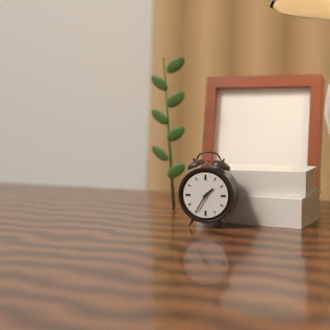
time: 1:35
